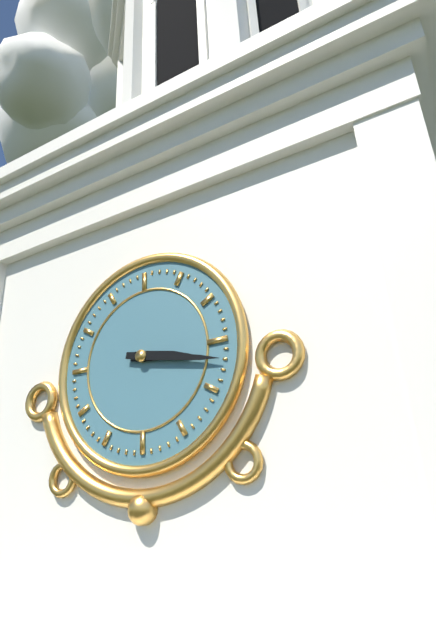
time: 3:17
